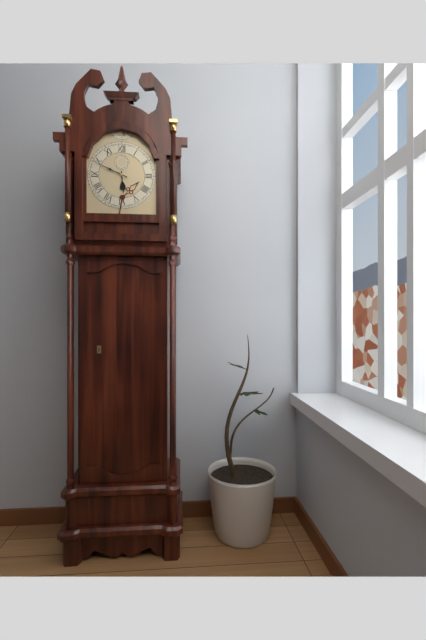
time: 5:49
